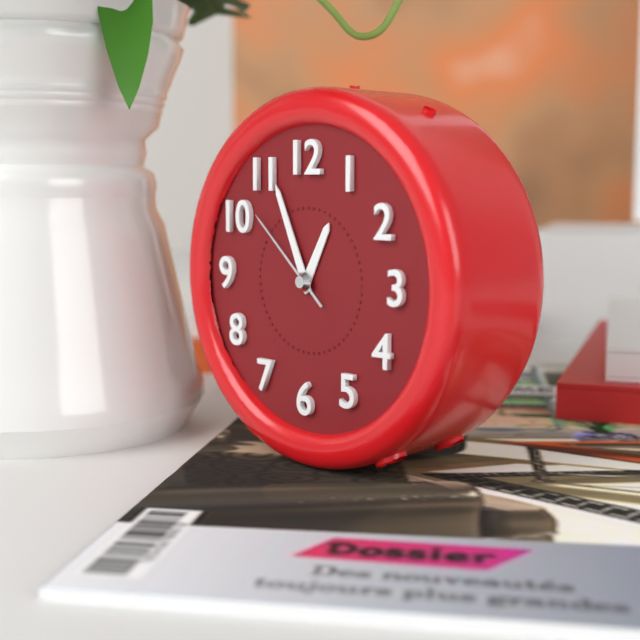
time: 12:56:52
